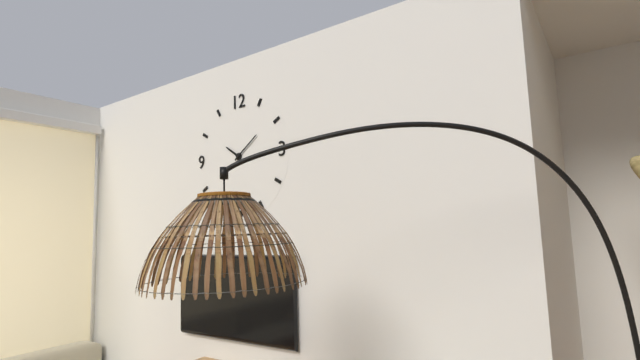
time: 10:09
